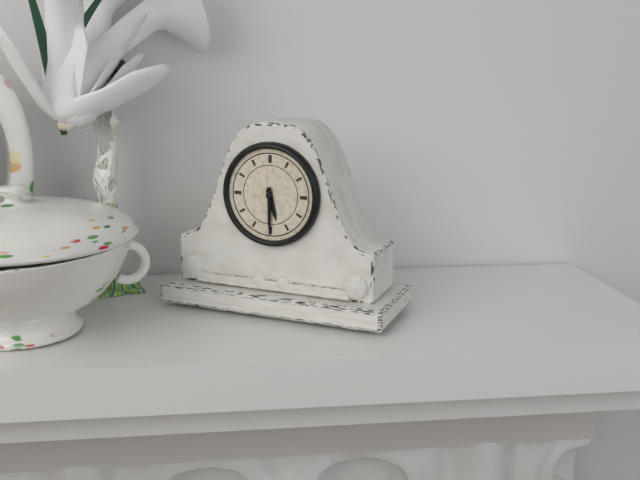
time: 5:30
